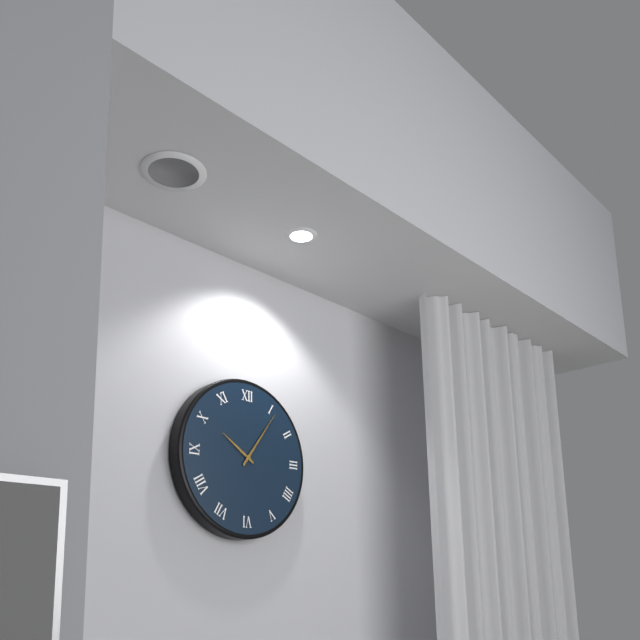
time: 10:06
